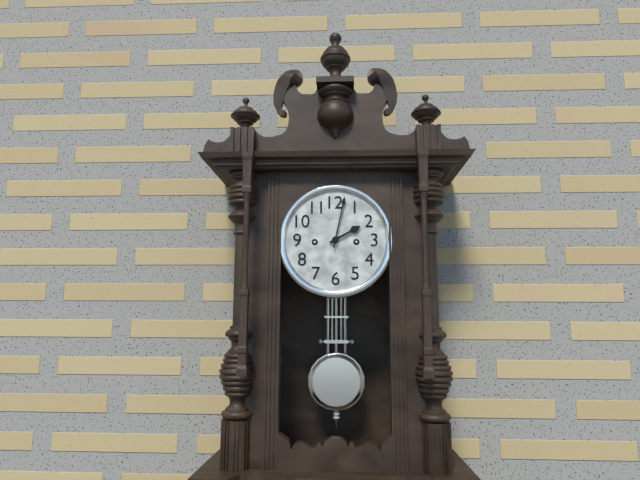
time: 2:02
